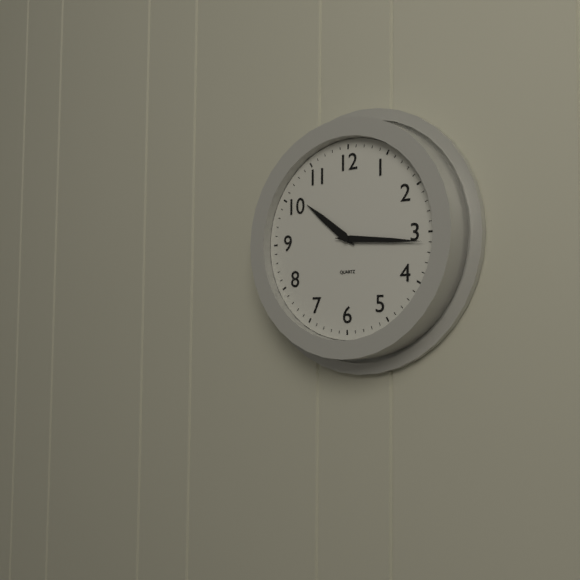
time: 10:16
